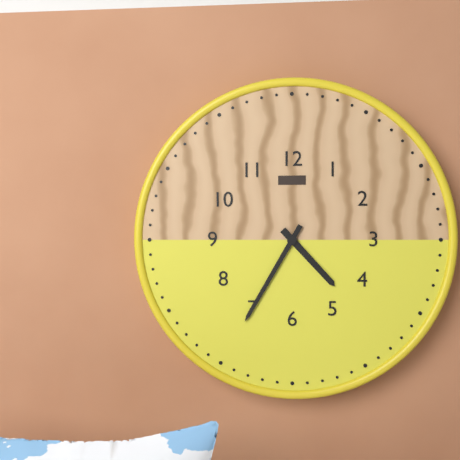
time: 4:35
